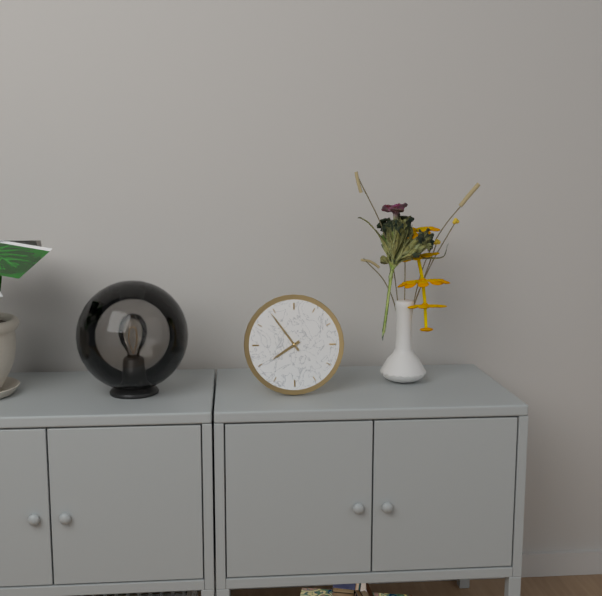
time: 7:54
